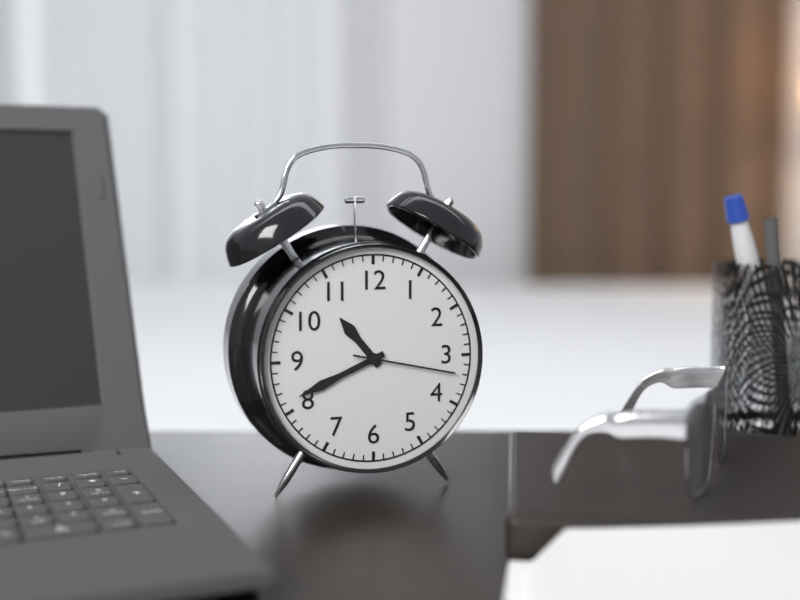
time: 10:41:17
